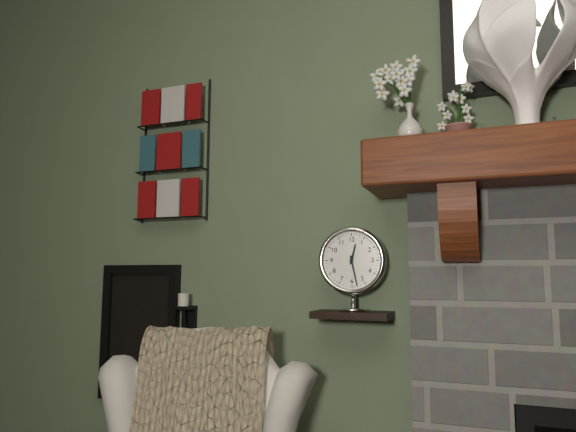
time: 12:28
